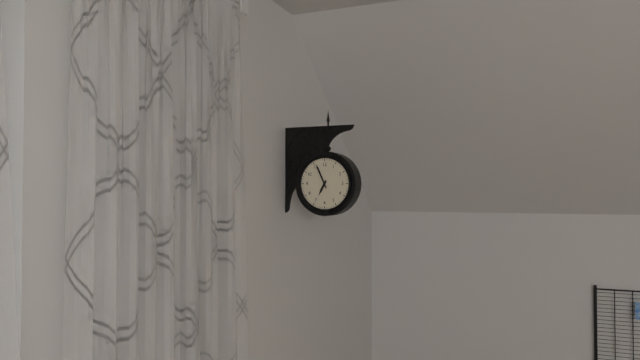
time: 6:56
